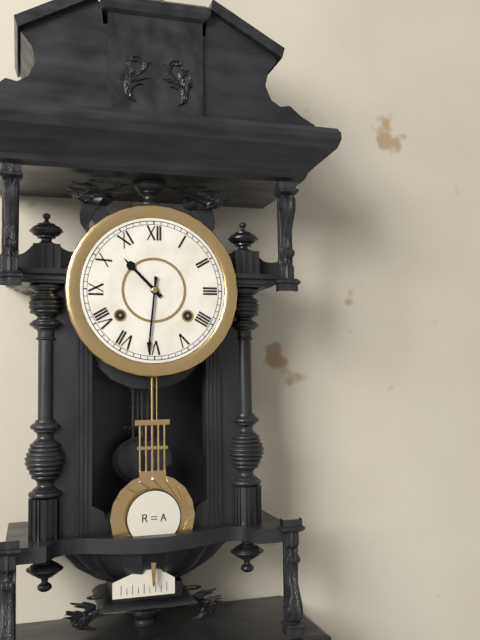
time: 10:31
